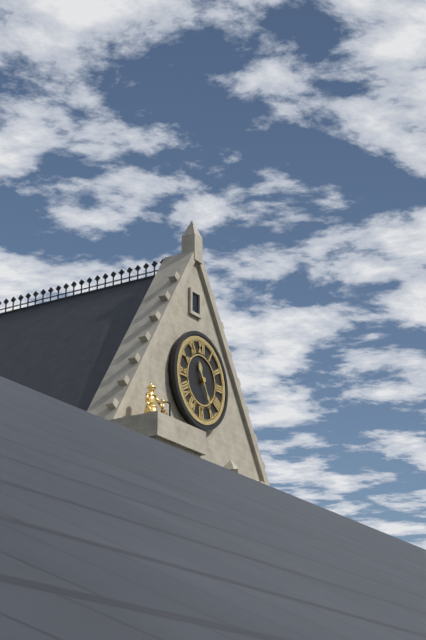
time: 11:25
